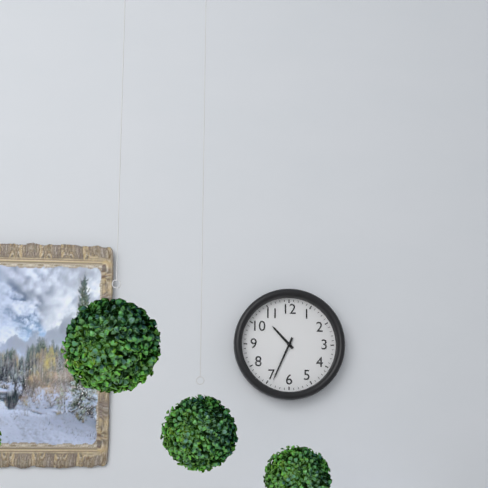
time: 10:34
